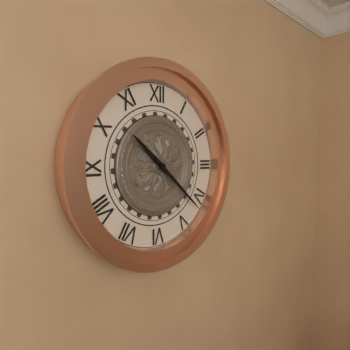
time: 10:22
